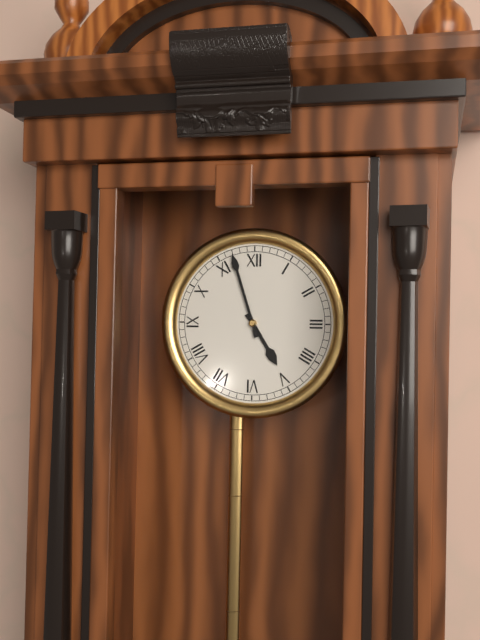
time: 4:57
